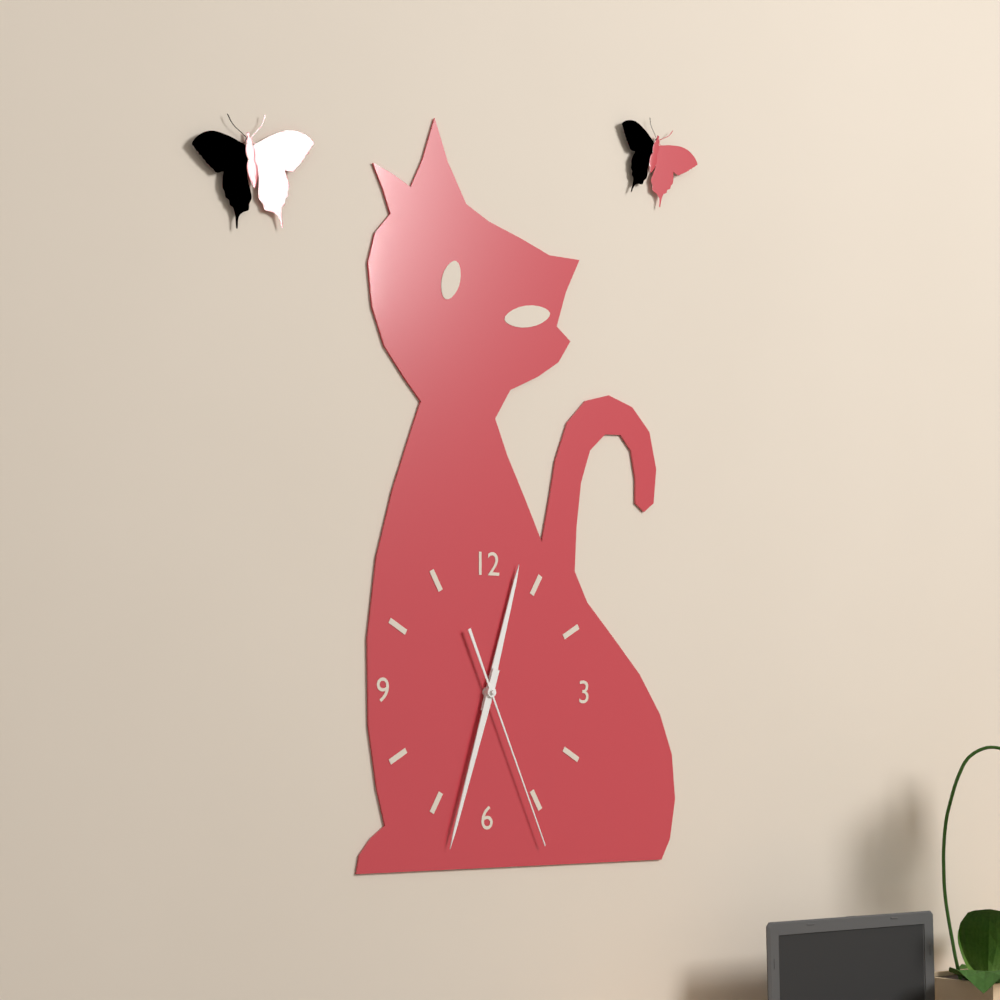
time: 12:33:26
